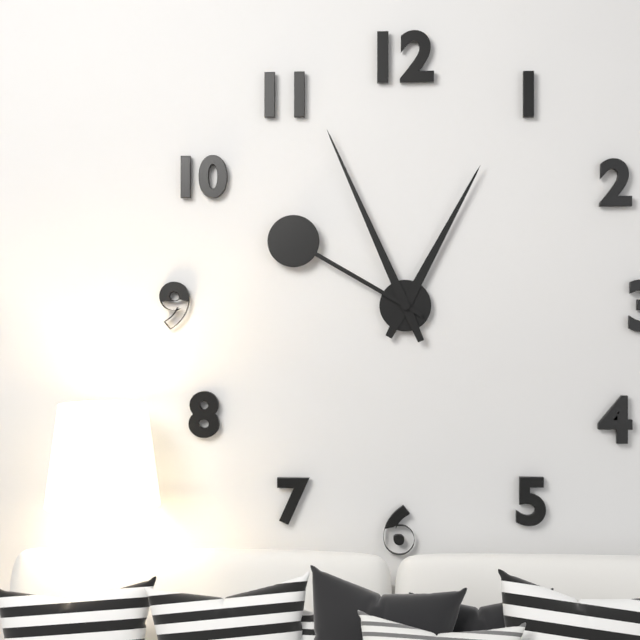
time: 12:56:50
